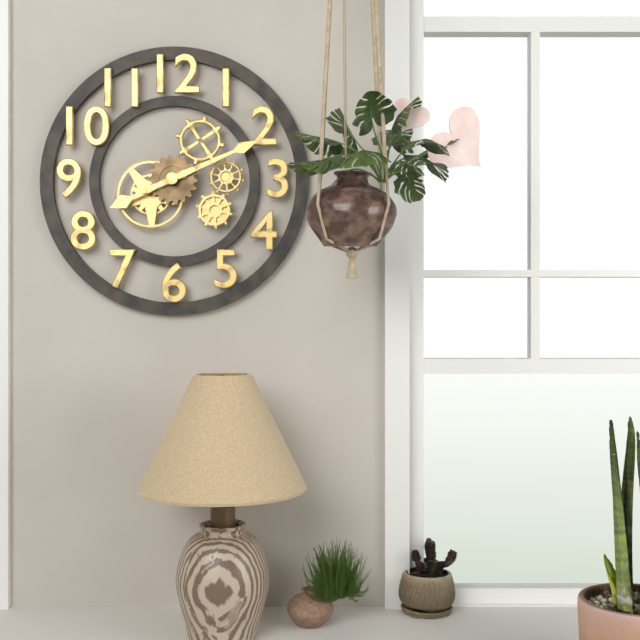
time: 8:11
